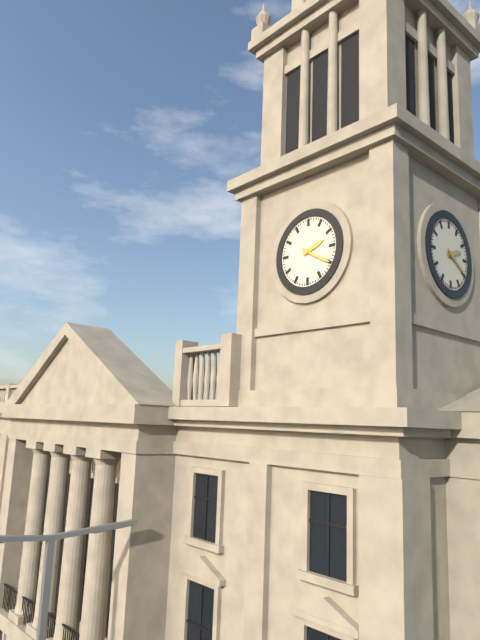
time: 2:20
